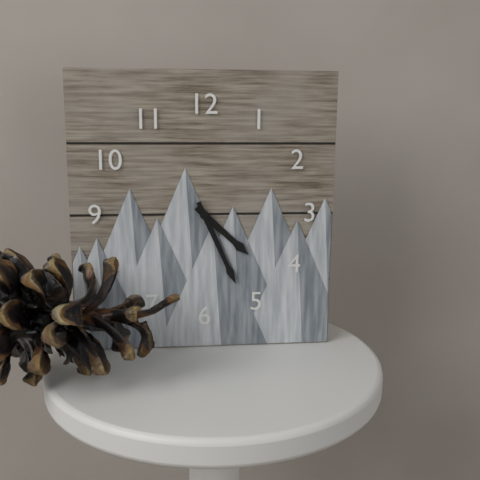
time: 4:26
